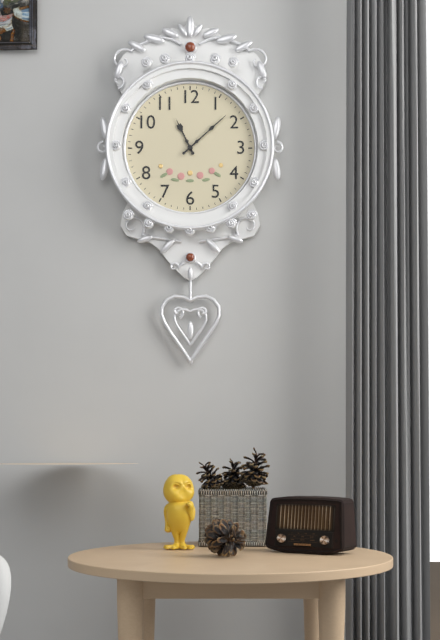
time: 11:08
